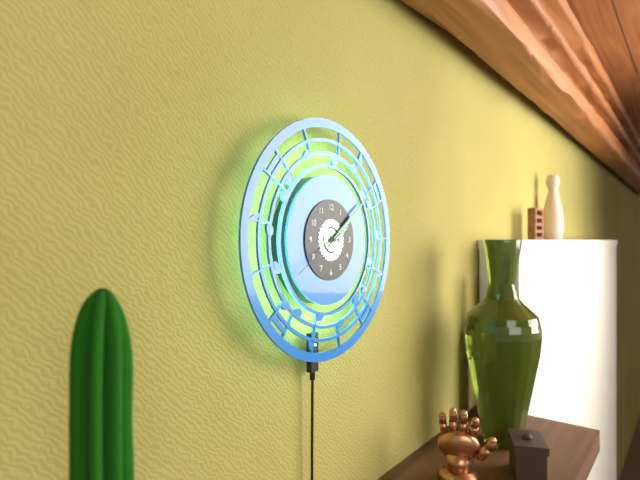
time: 2:09:40
